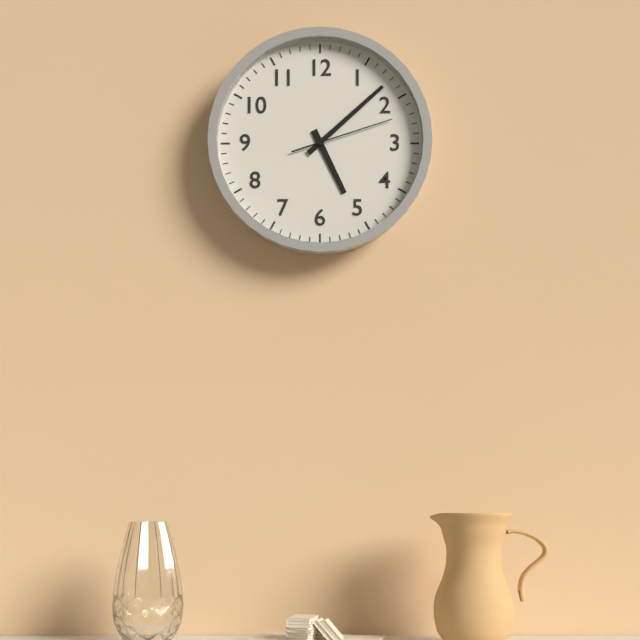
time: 5:08:12
